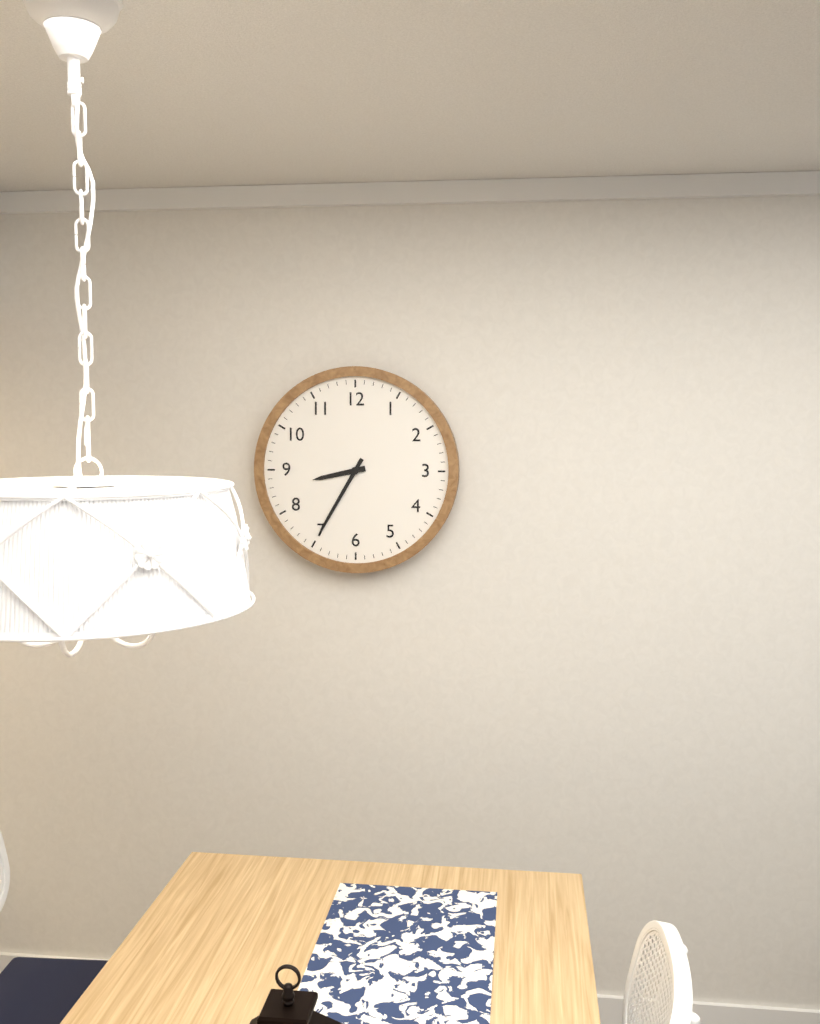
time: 8:35
